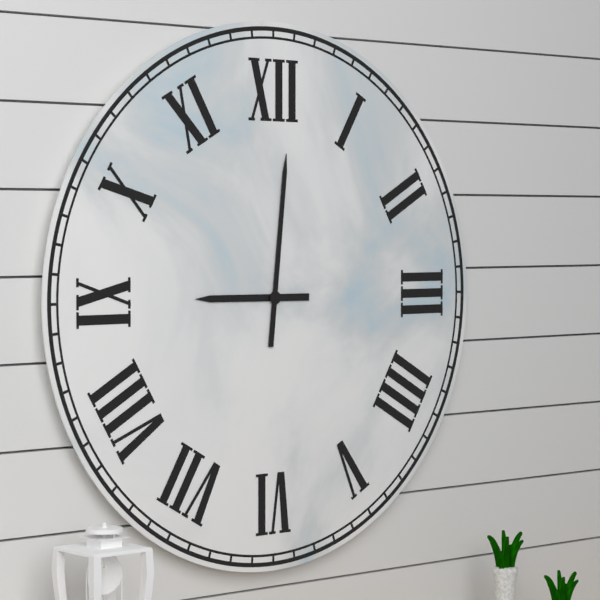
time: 9:01
